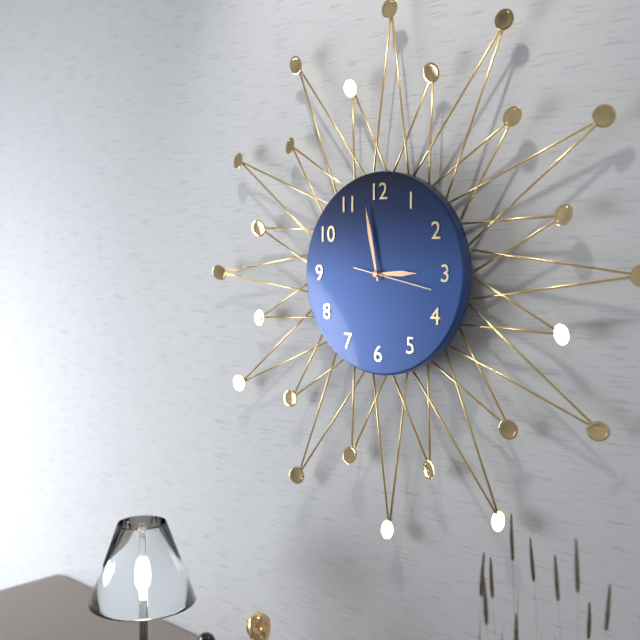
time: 2:58:17
